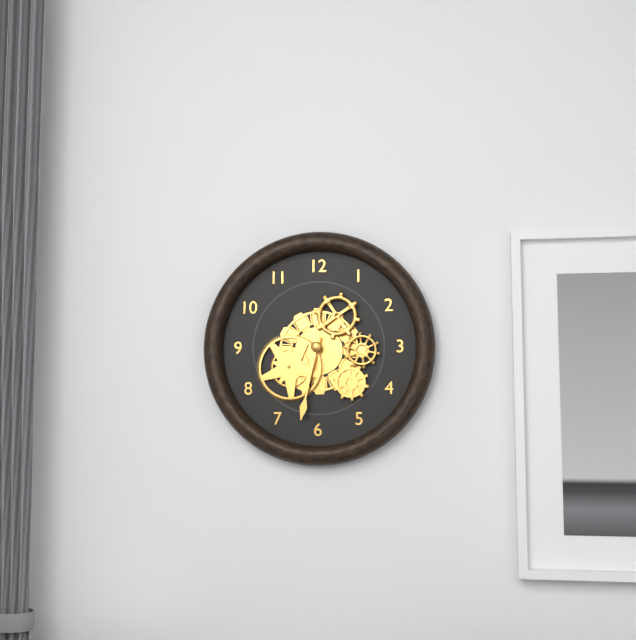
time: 6:32
